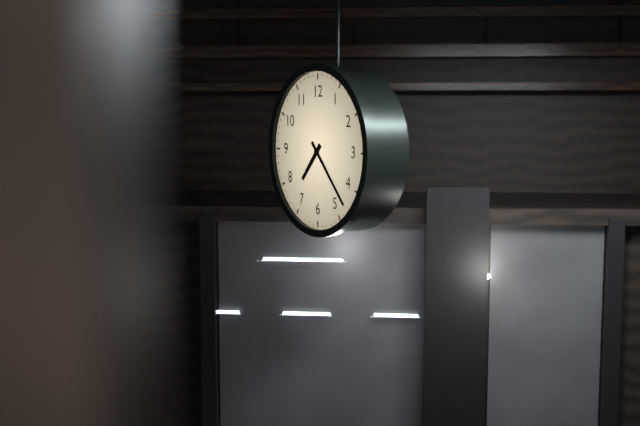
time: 7:23
